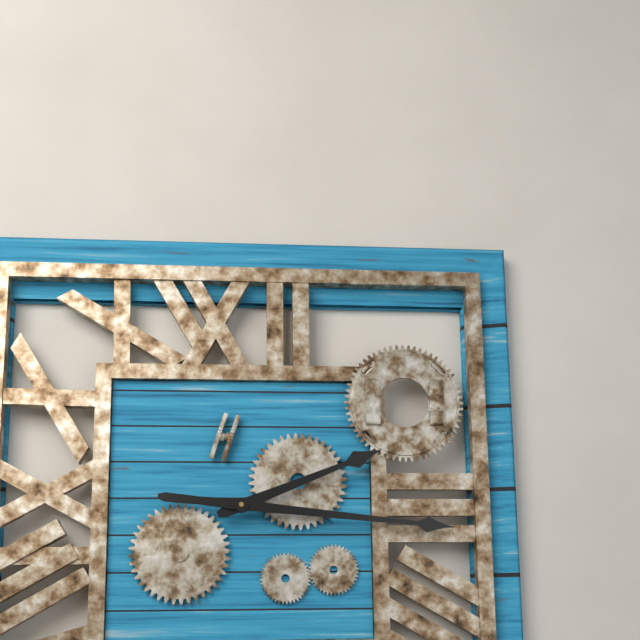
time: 2:16
